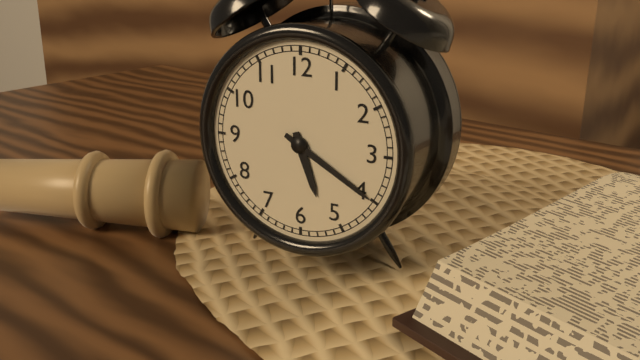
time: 5:20
